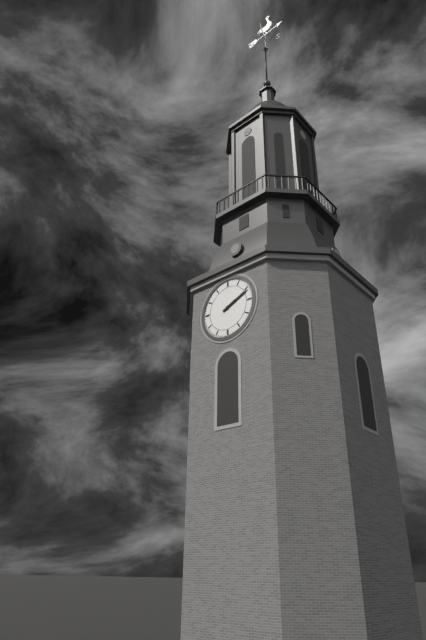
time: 2:11
